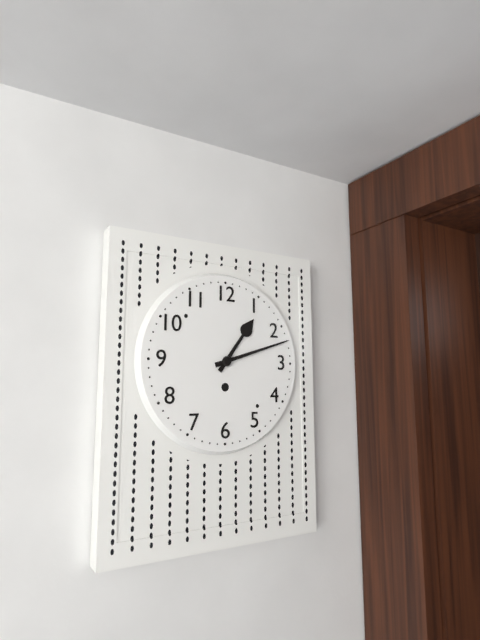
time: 1:12
